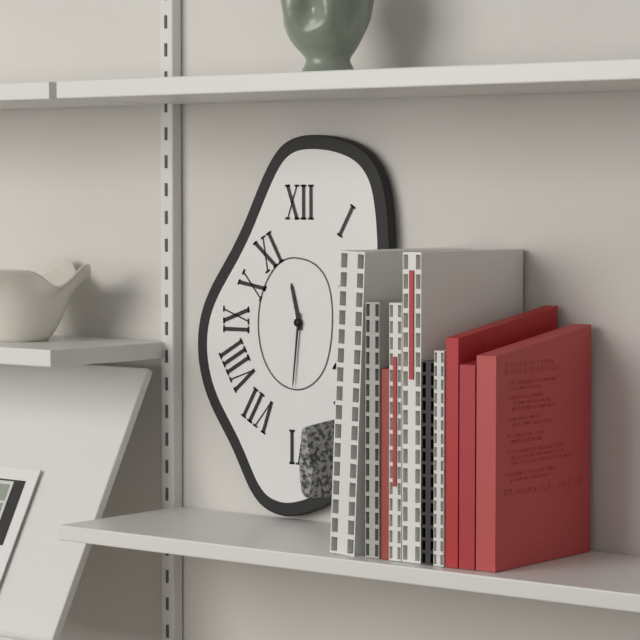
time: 11:31
